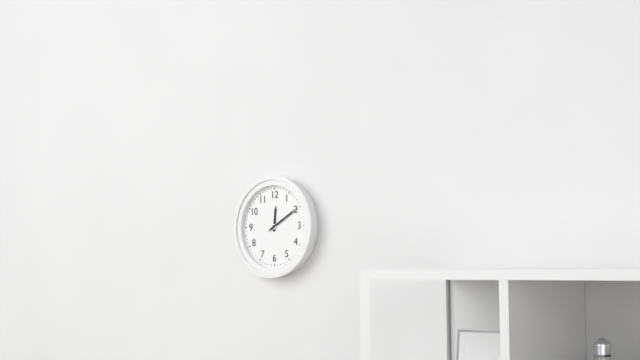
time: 12:10
